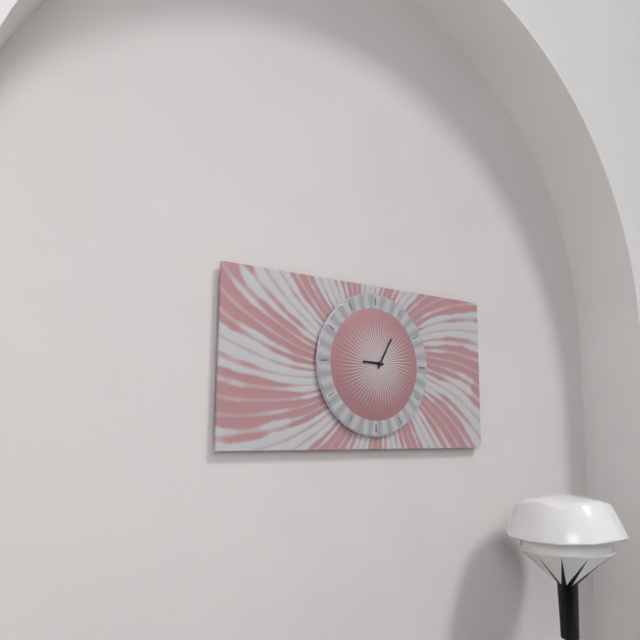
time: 9:05
